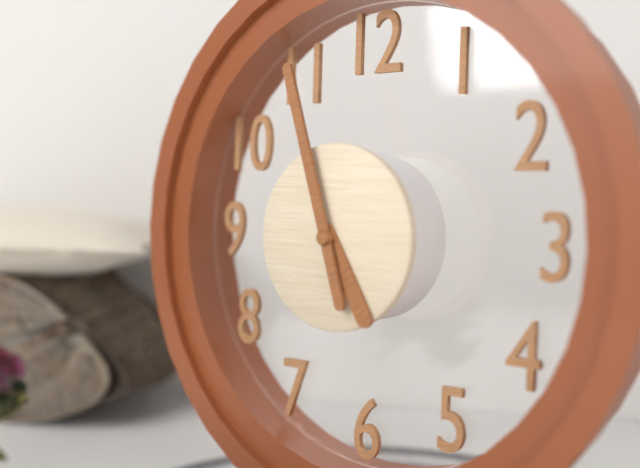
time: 4:57
